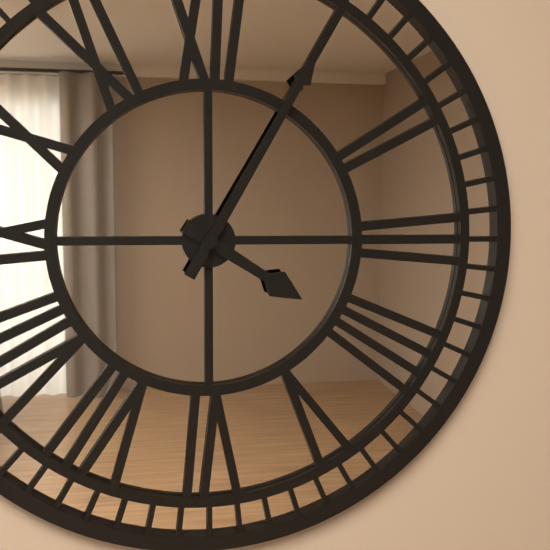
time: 4:05
